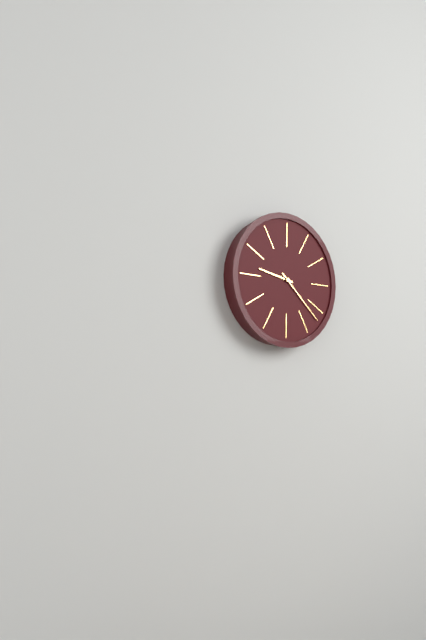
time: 9:22
